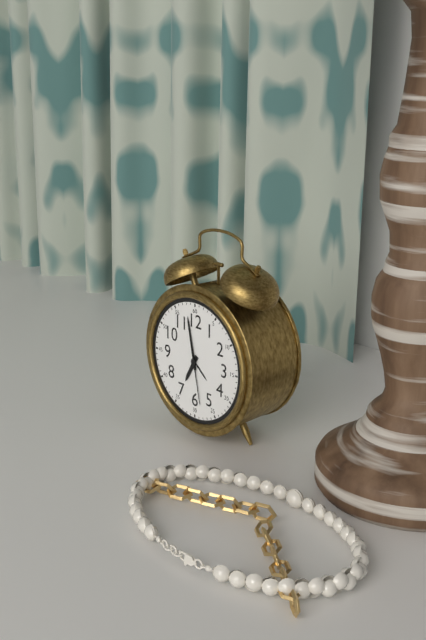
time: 6:58:28
